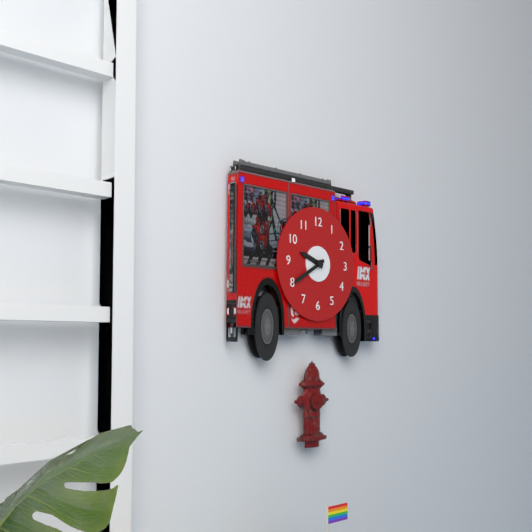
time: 9:40
